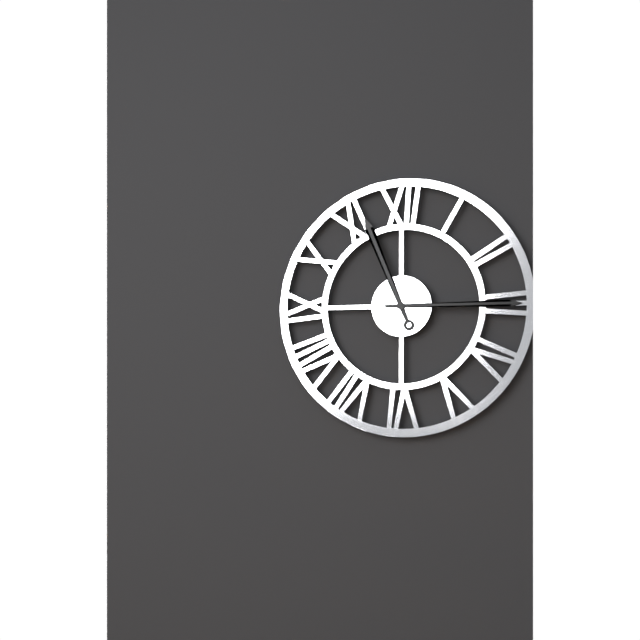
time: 11:15
